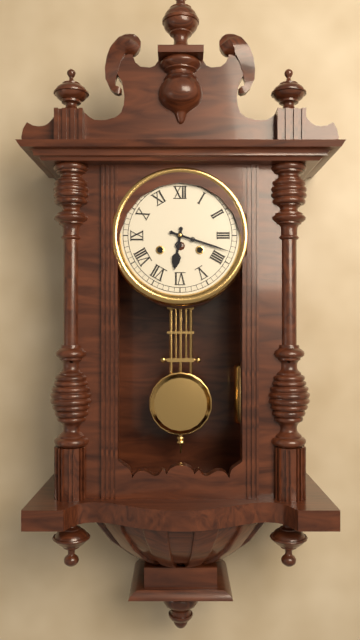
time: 6:18
